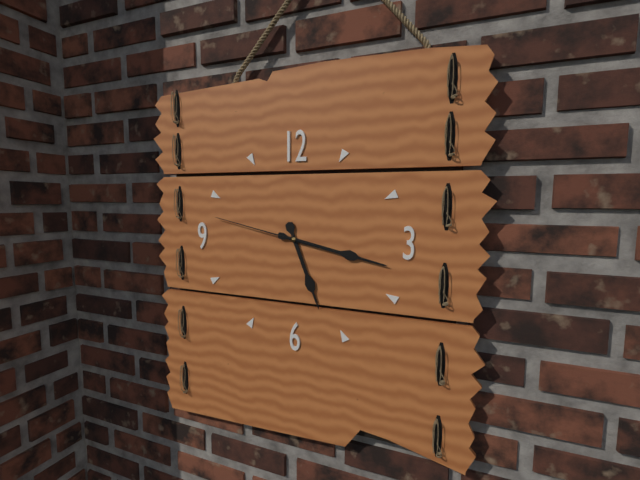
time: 5:17:47
